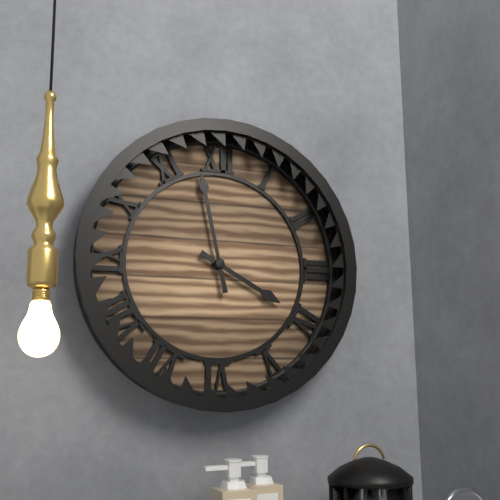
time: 3:58
